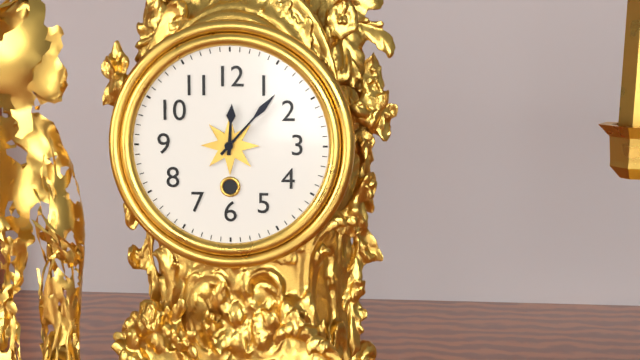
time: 12:07
